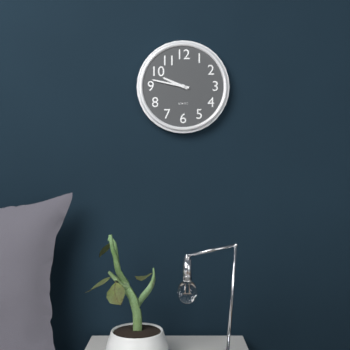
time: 9:47
